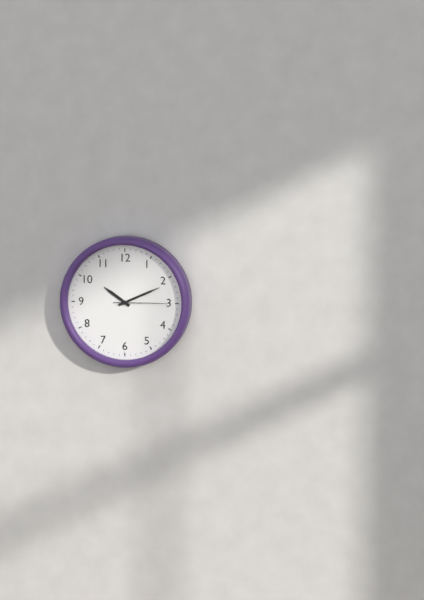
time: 10:11:15
